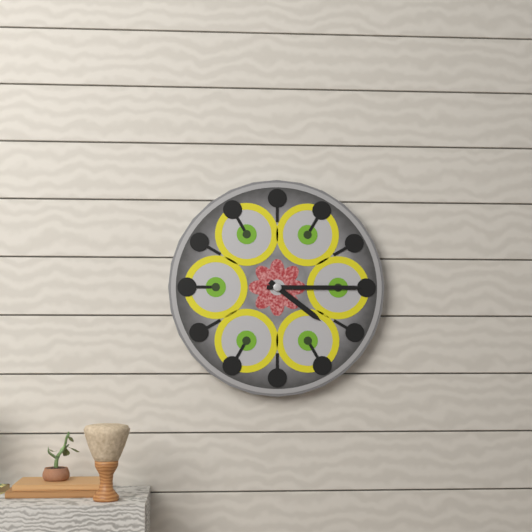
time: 4:15
